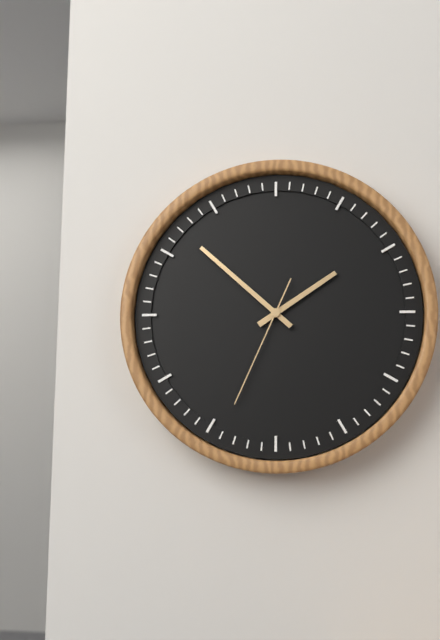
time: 1:52:34
